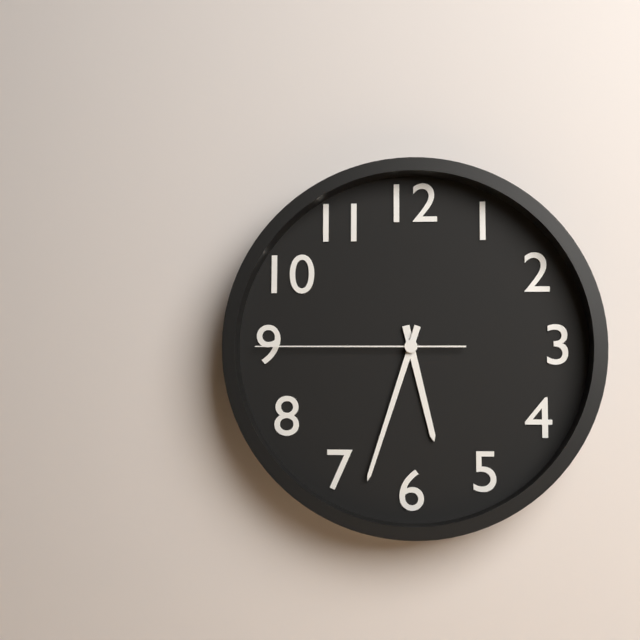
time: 5:33:45
